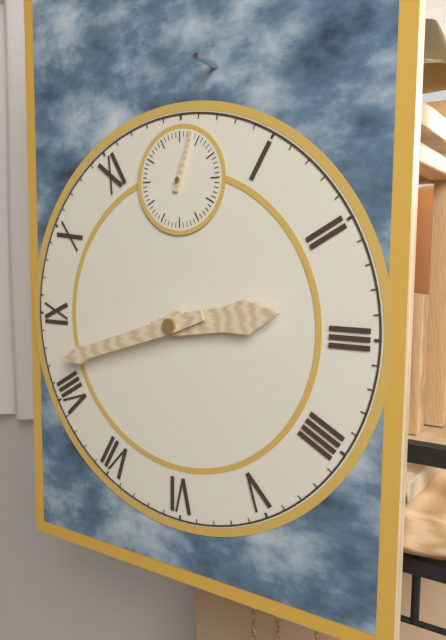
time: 2:42:03
